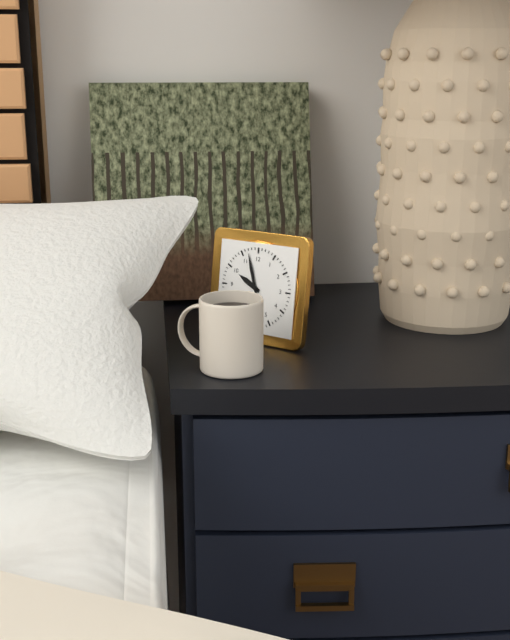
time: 9:57
